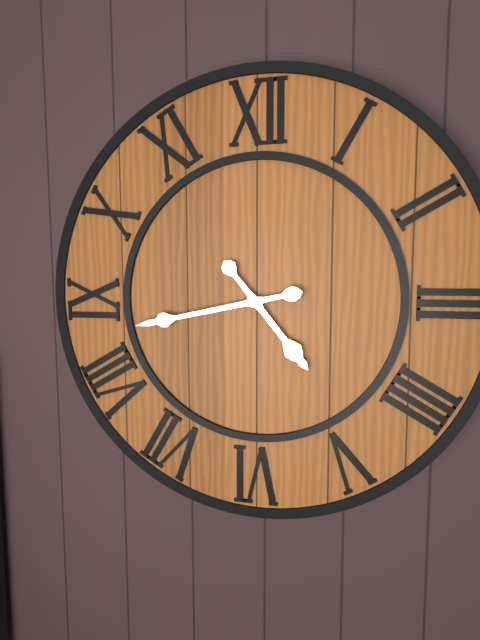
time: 4:43
